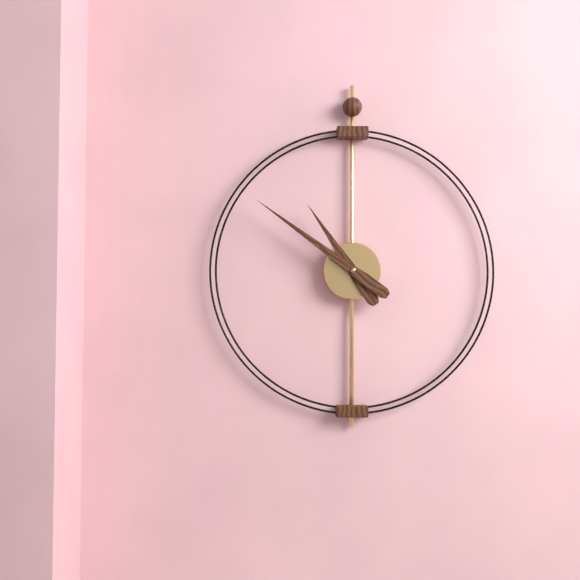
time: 10:51
